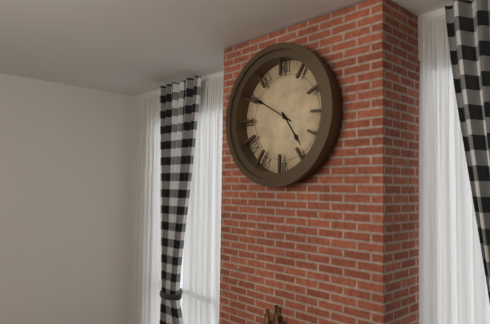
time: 4:50
